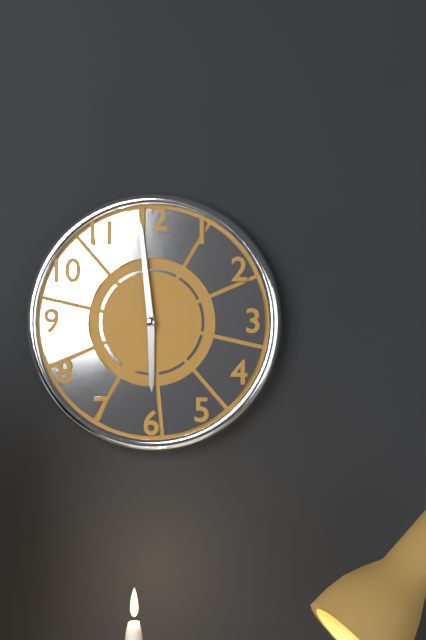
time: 5:59
